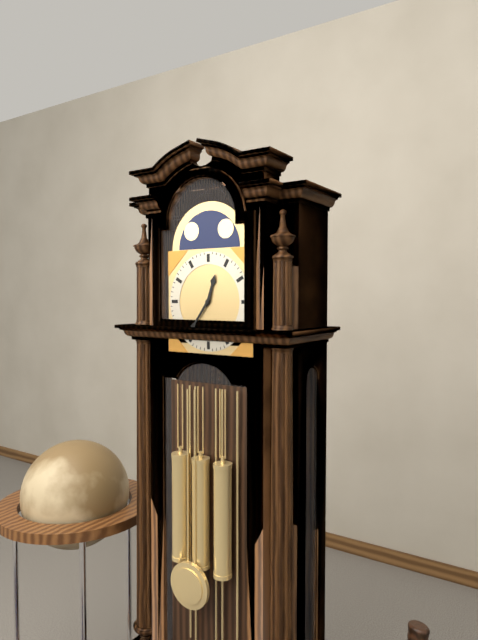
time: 12:36
